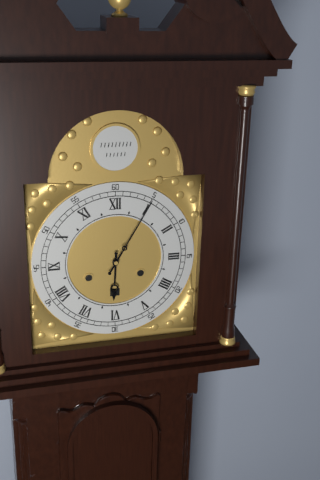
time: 6:05
